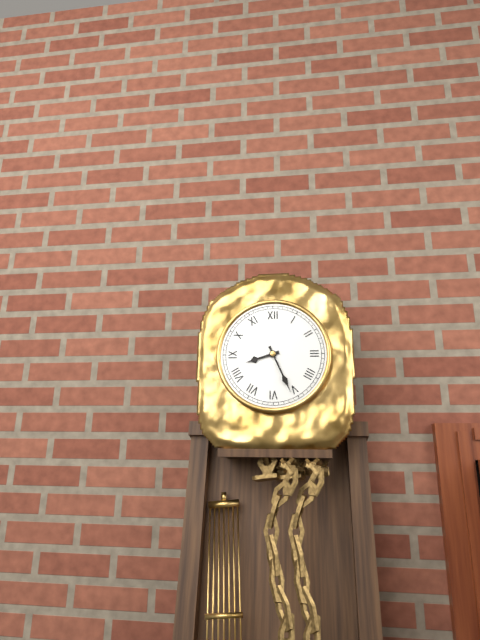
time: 8:26
